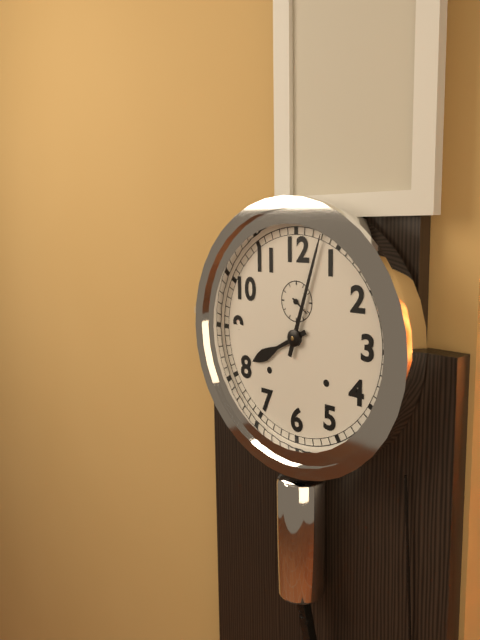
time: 8:03
